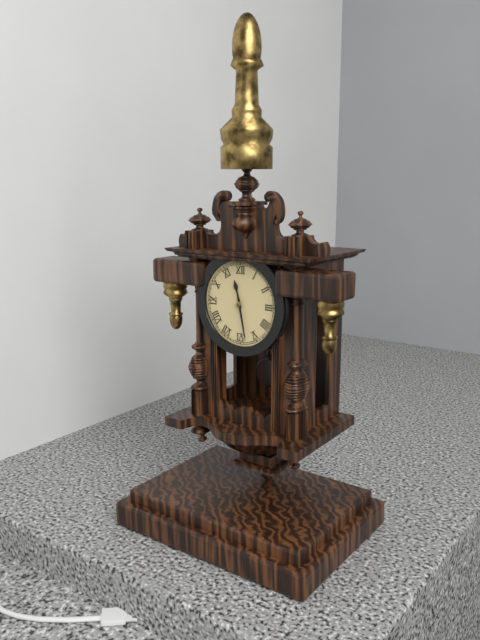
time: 11:28
